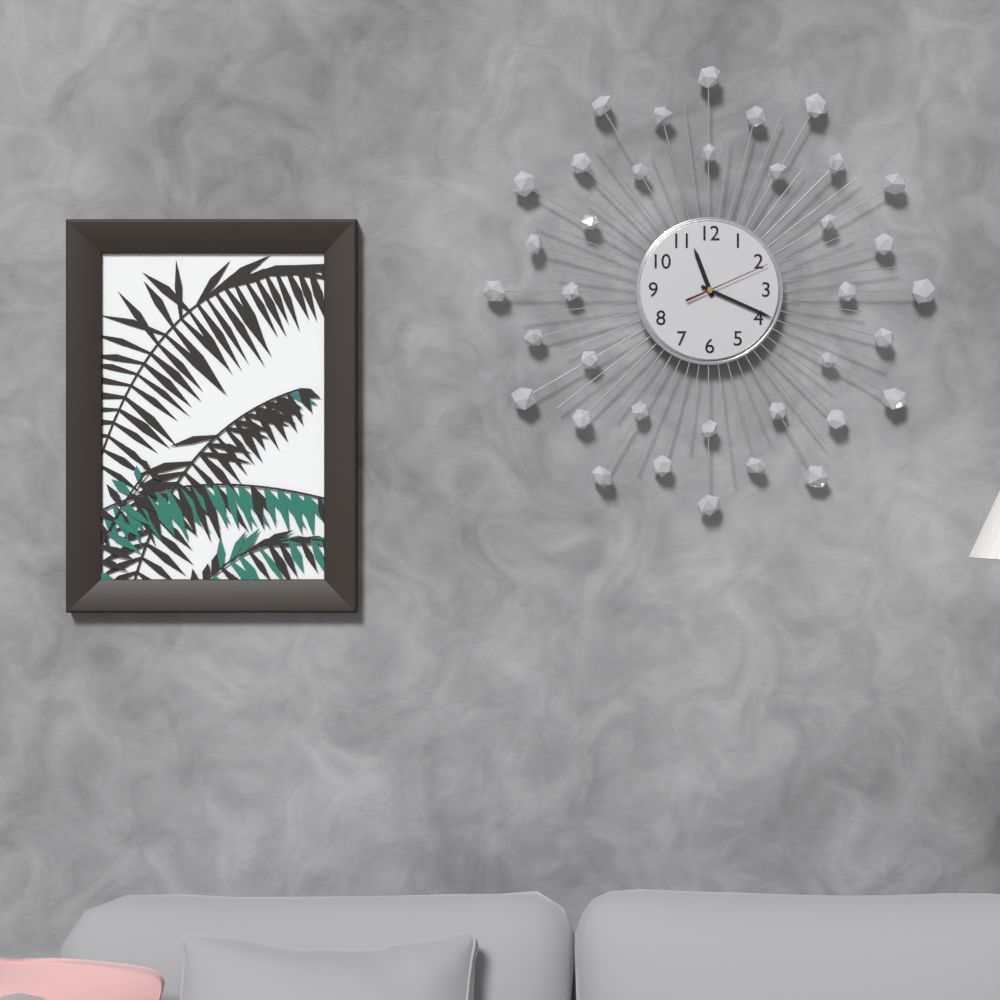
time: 11:19:11
